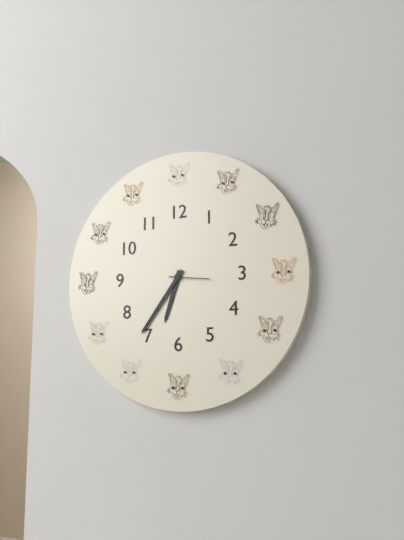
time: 6:36
